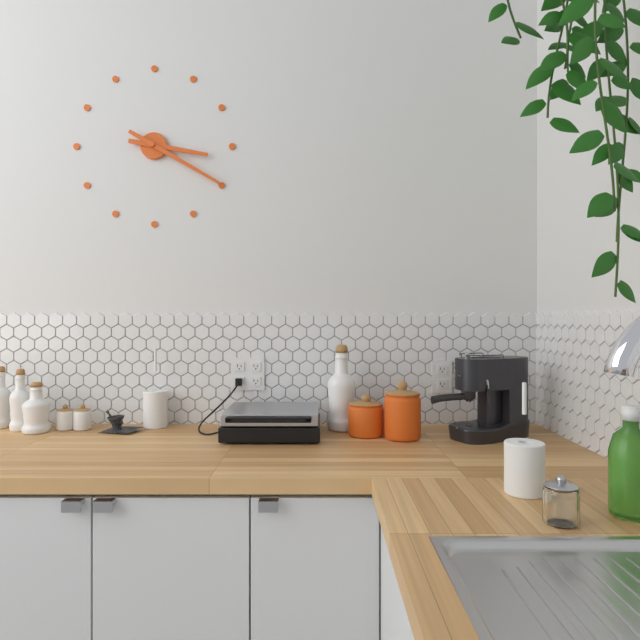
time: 3:20
